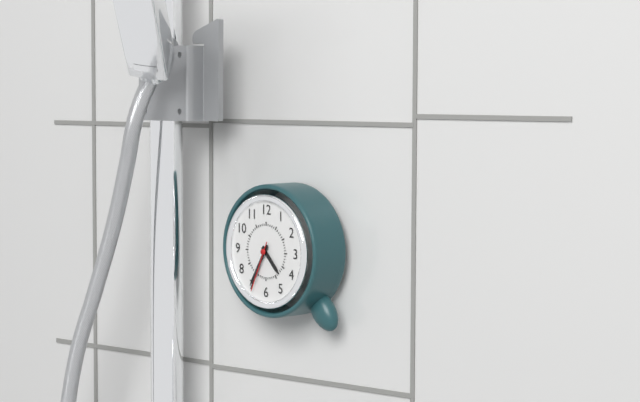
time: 4:35:34
